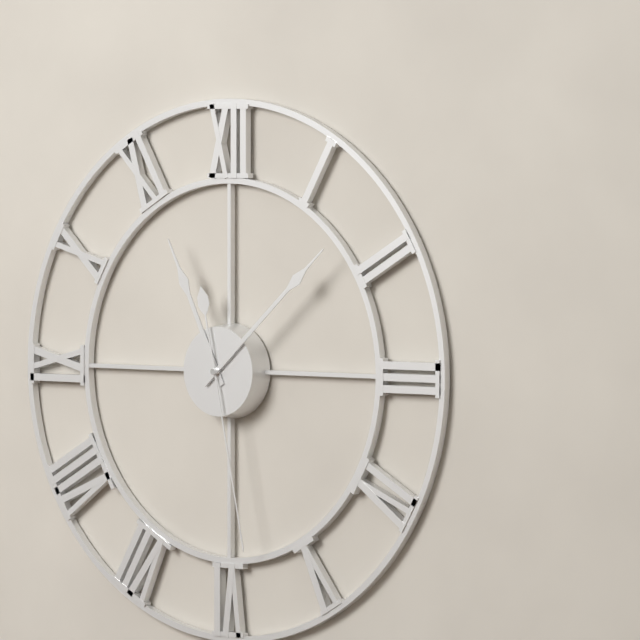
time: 11:08:28
